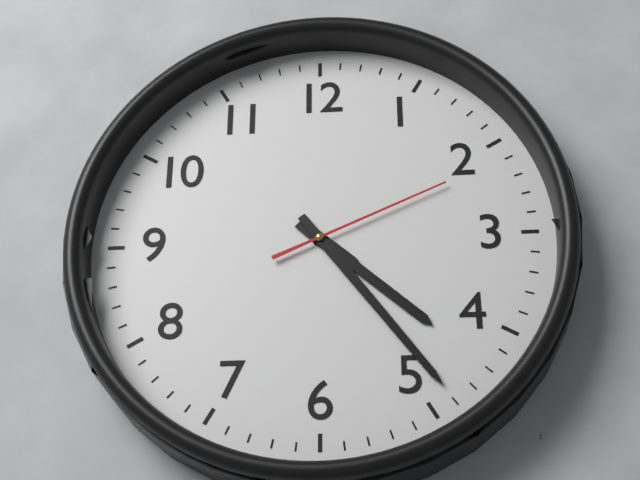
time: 4:24:11
